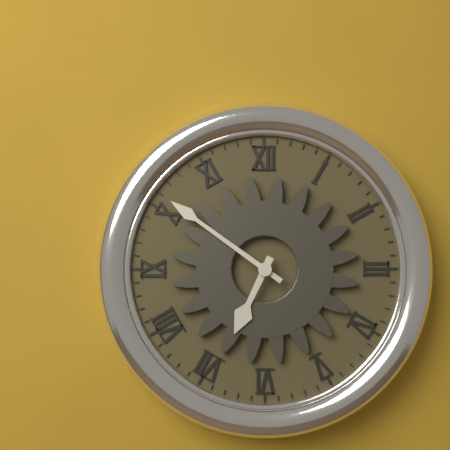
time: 6:51
